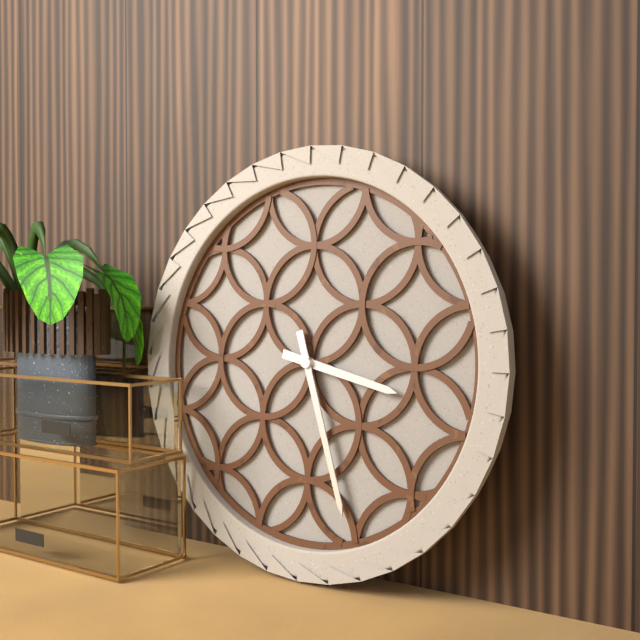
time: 3:27
